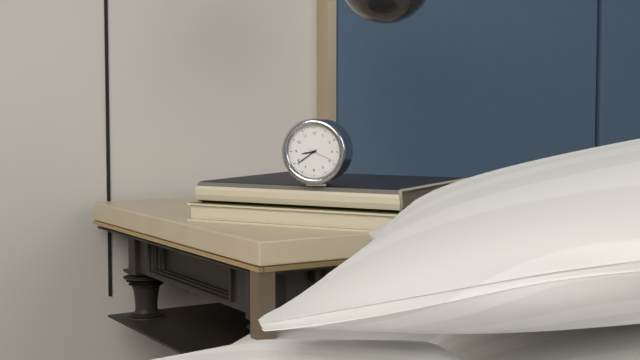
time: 8:39
